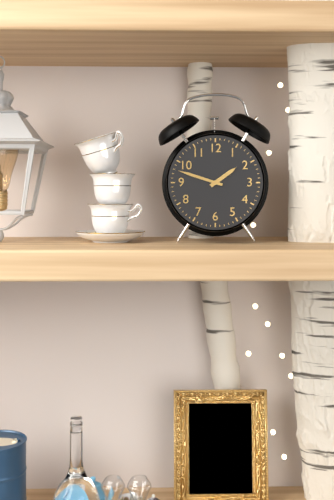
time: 1:48
